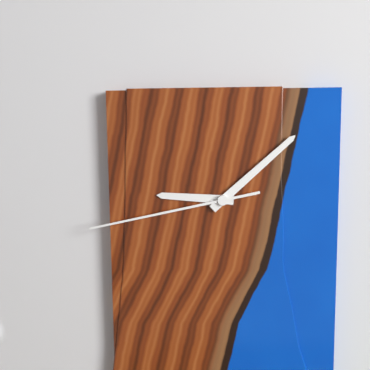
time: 9:08:43
